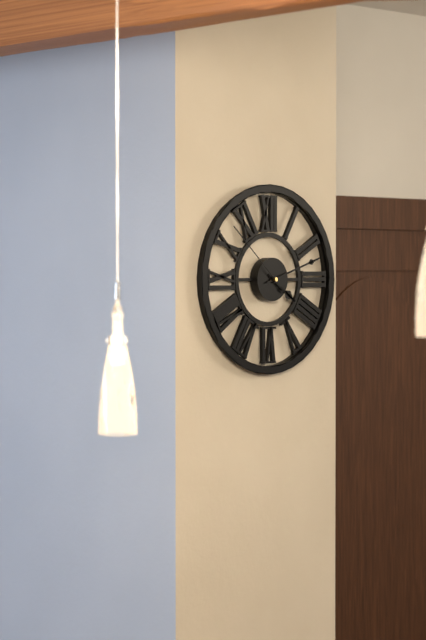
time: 4:12:52
